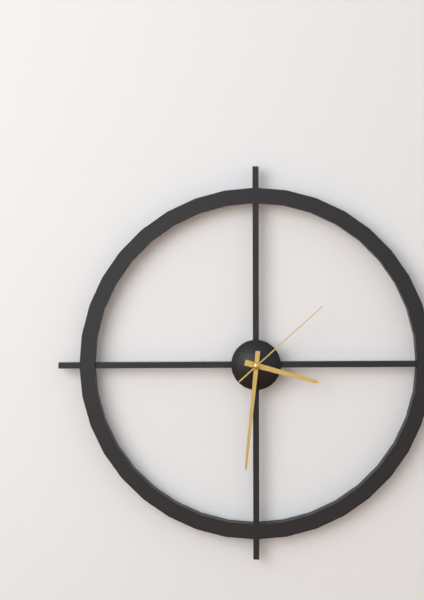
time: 3:31:08
